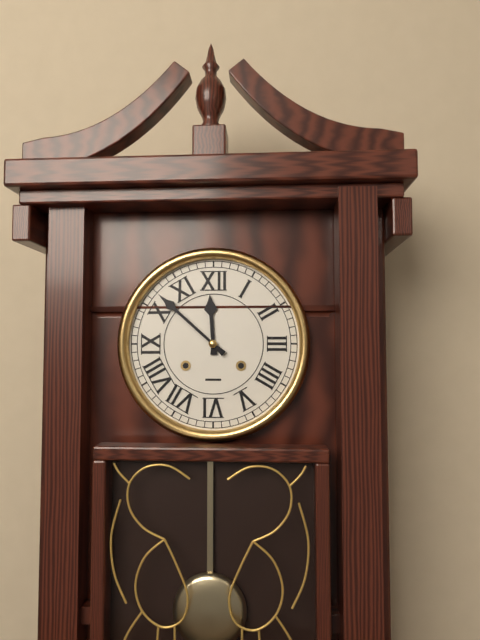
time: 11:52
